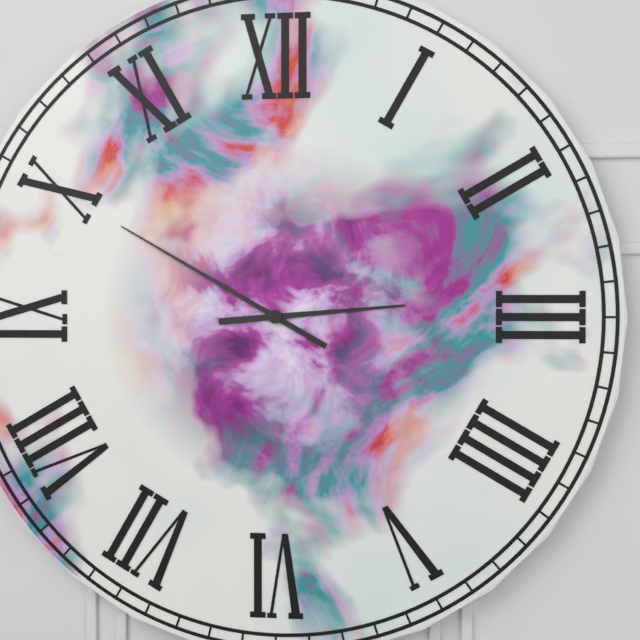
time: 2:50
